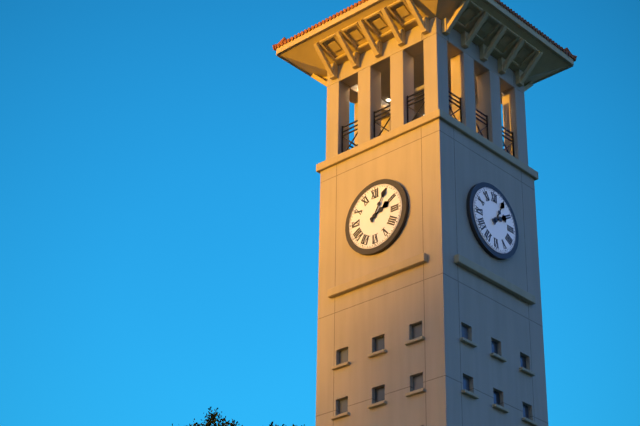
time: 2:05
